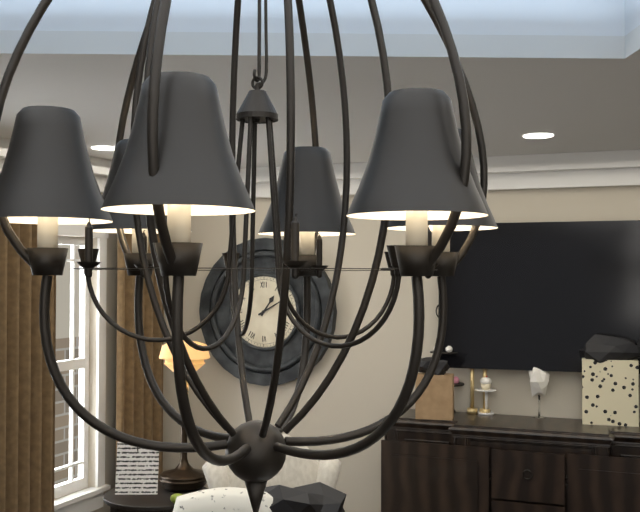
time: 1:10
